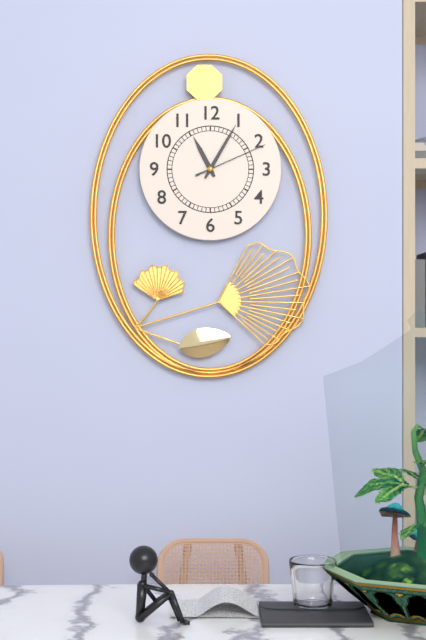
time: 11:05:11
